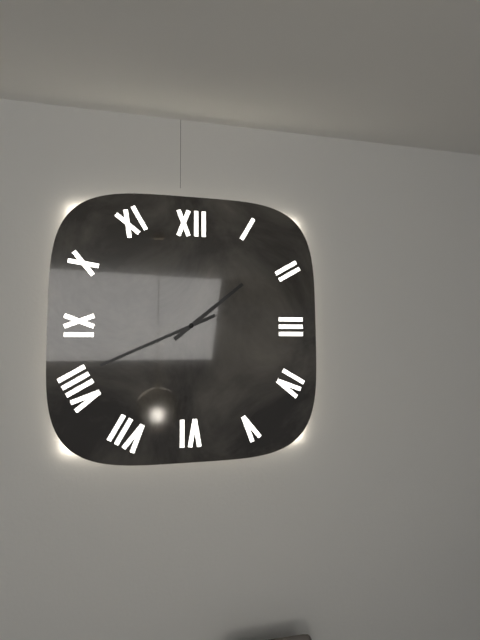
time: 1:41
